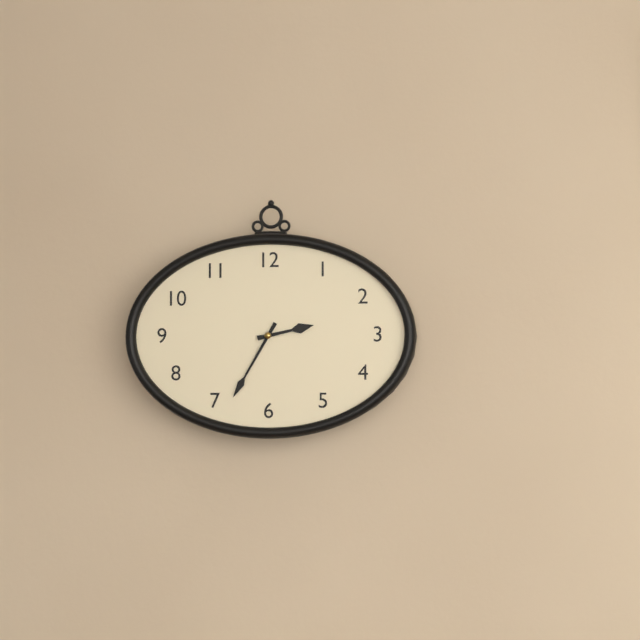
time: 2:35
